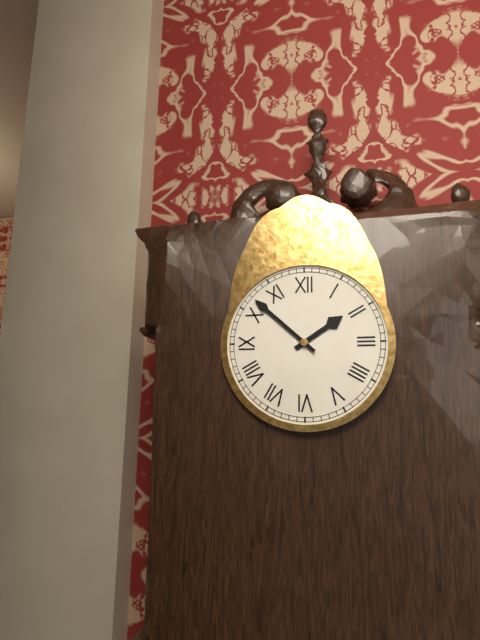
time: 1:52
